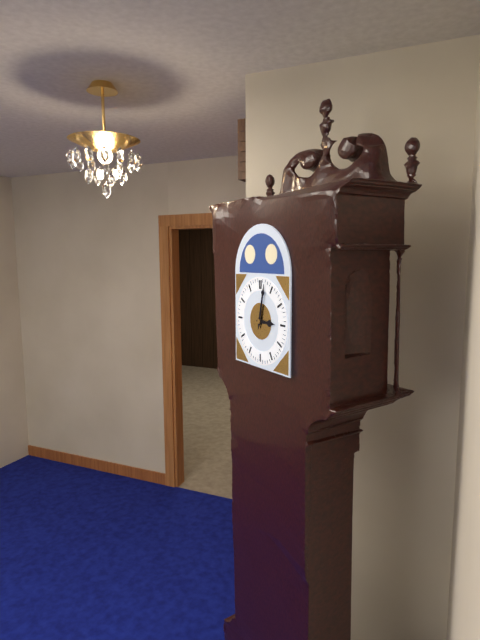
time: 3:02
